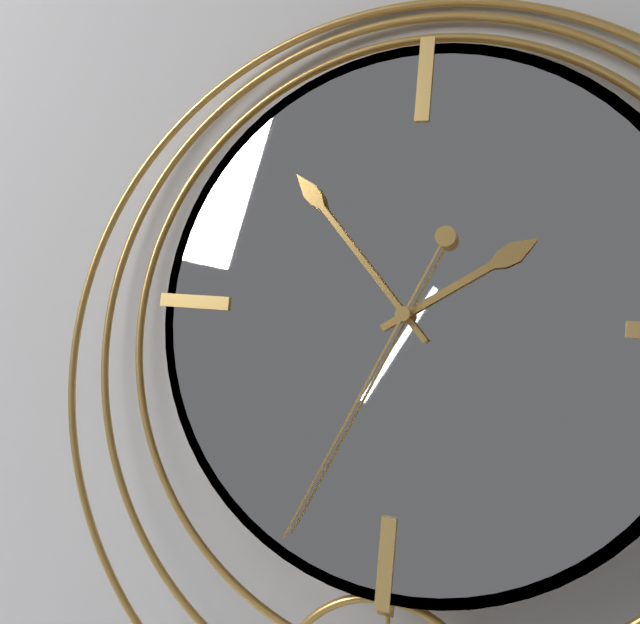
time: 1:53:34
